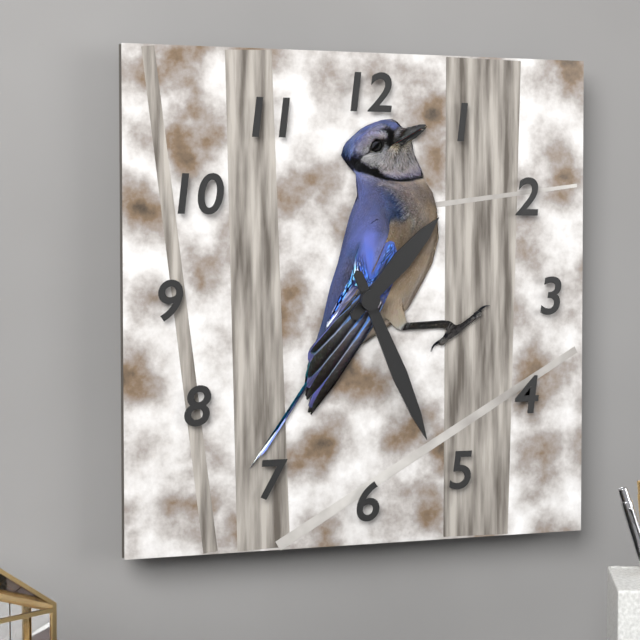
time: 1:26
